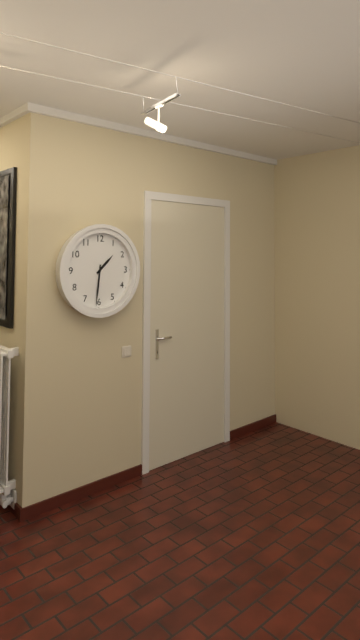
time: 1:31
